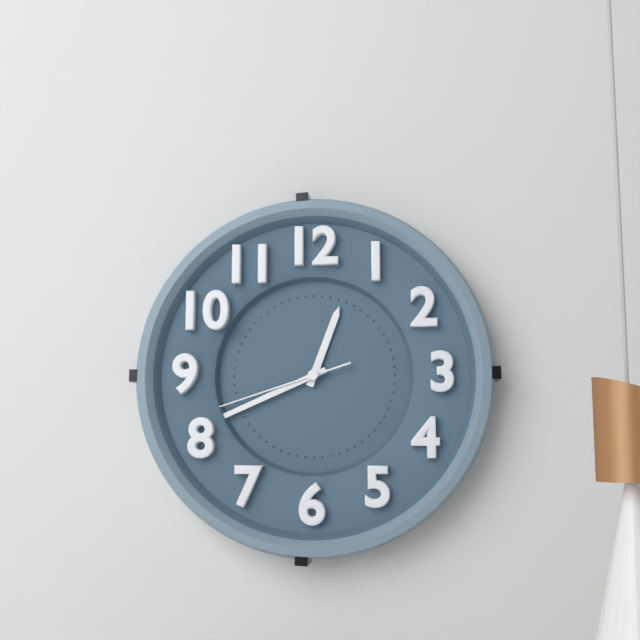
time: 12:41:42
